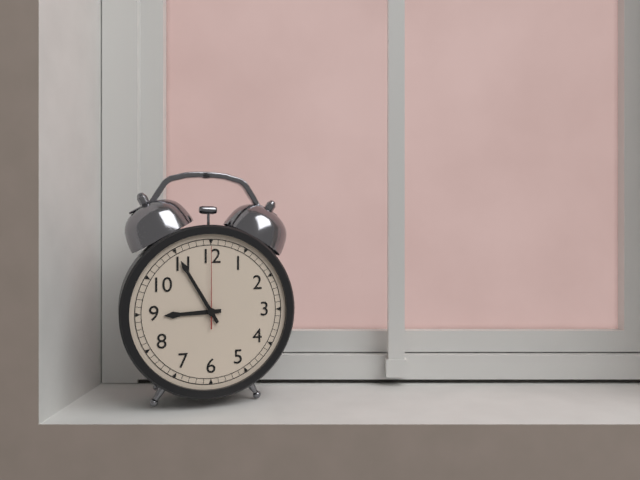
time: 8:55:00
